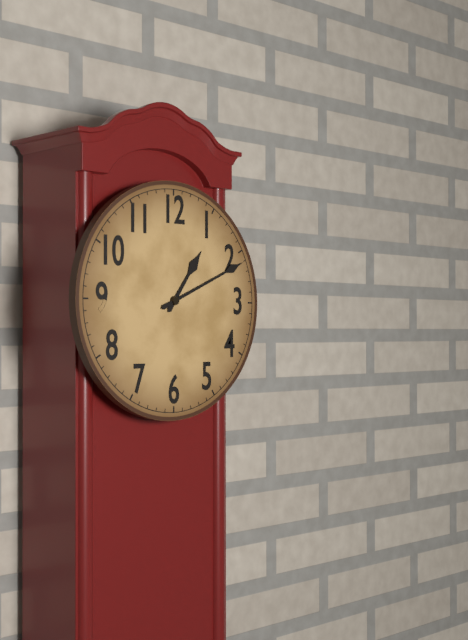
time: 1:11
